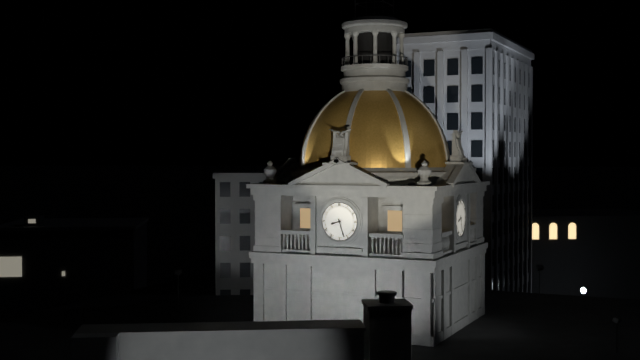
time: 8:27
